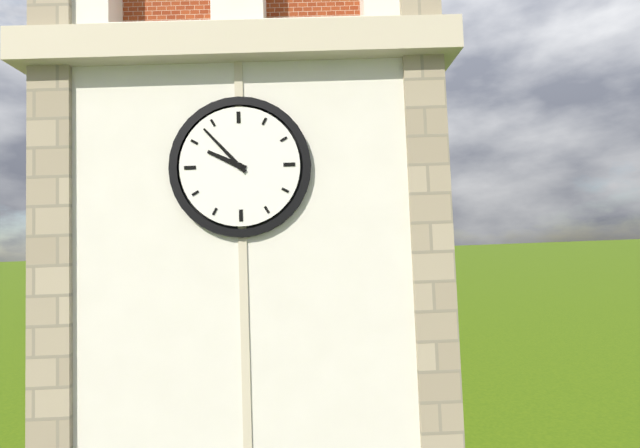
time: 9:53
